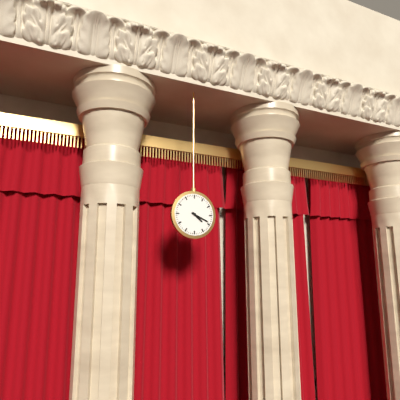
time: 4:19
